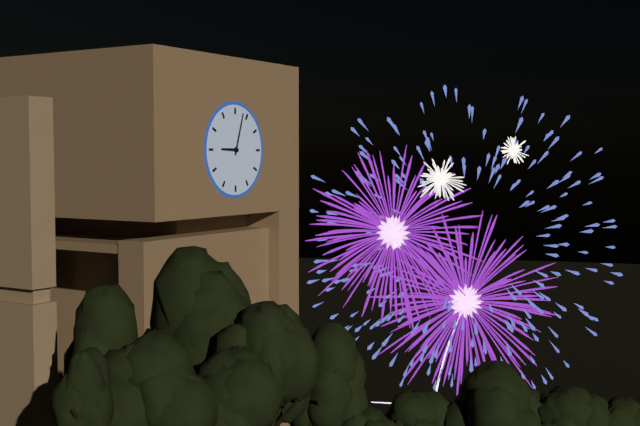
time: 9:03
